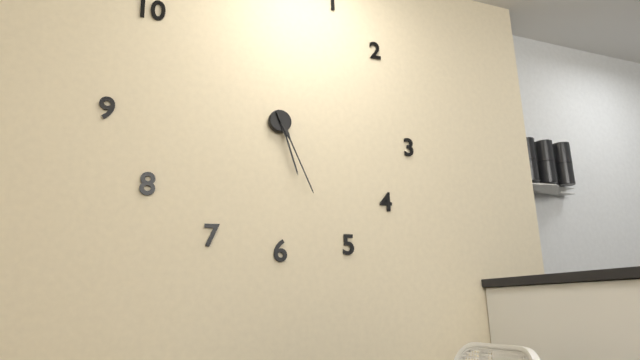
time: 5:26
